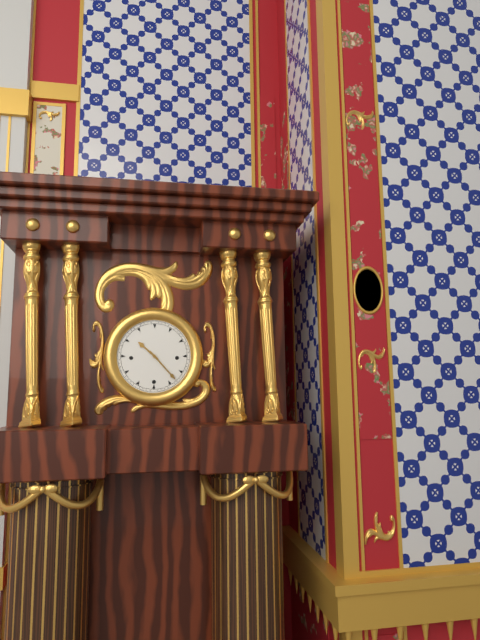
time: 10:23
